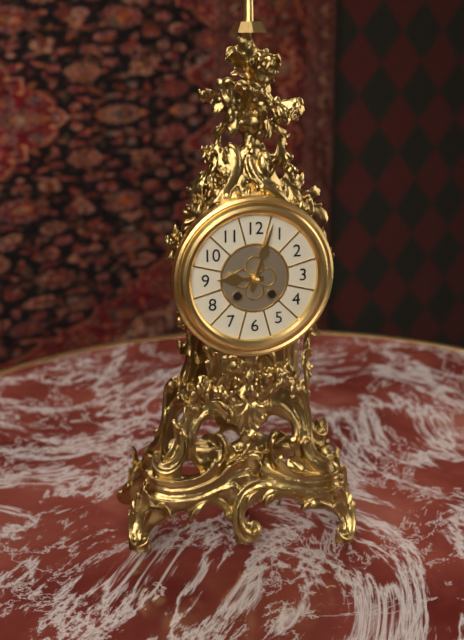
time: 9:03
